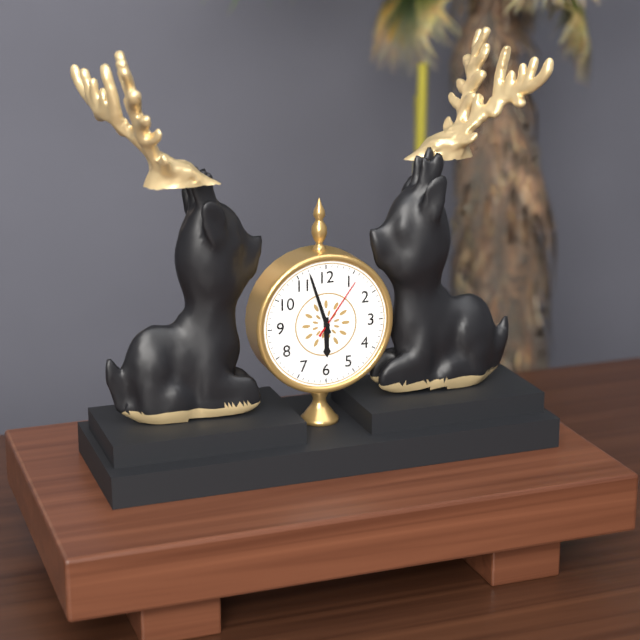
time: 5:57:06
